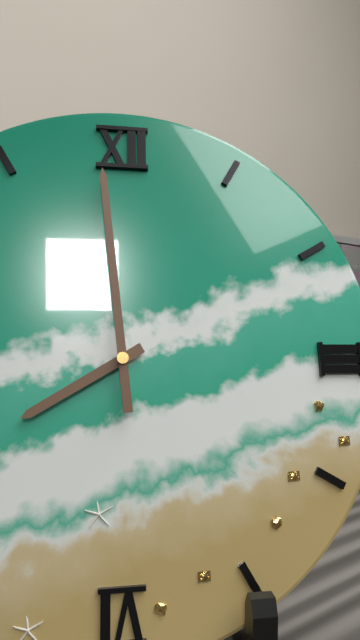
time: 7:59
